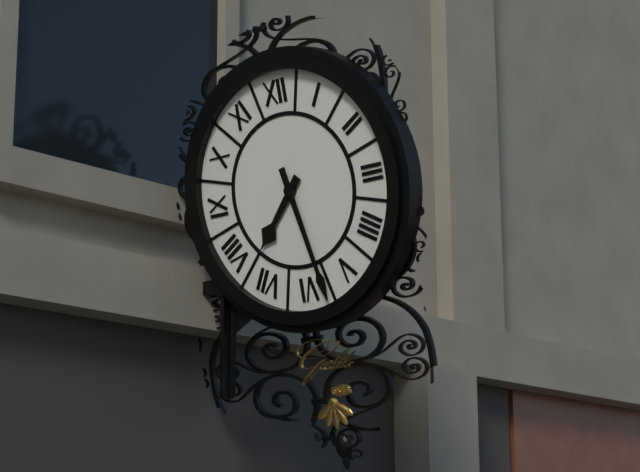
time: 7:28
